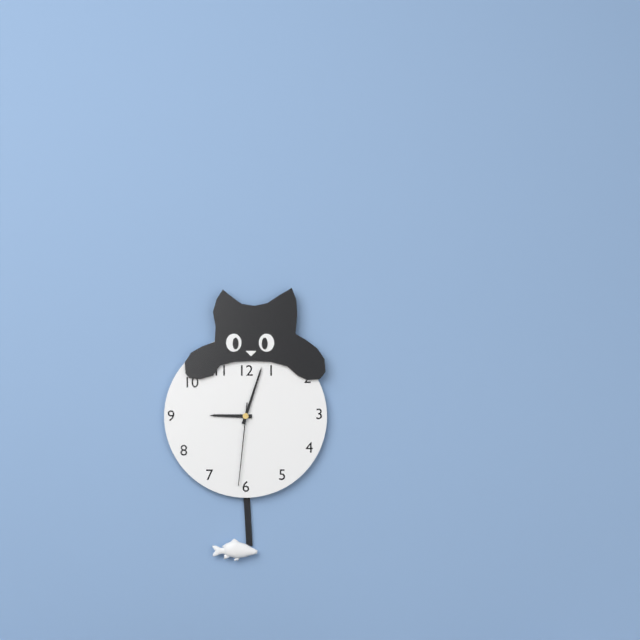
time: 9:03:31
